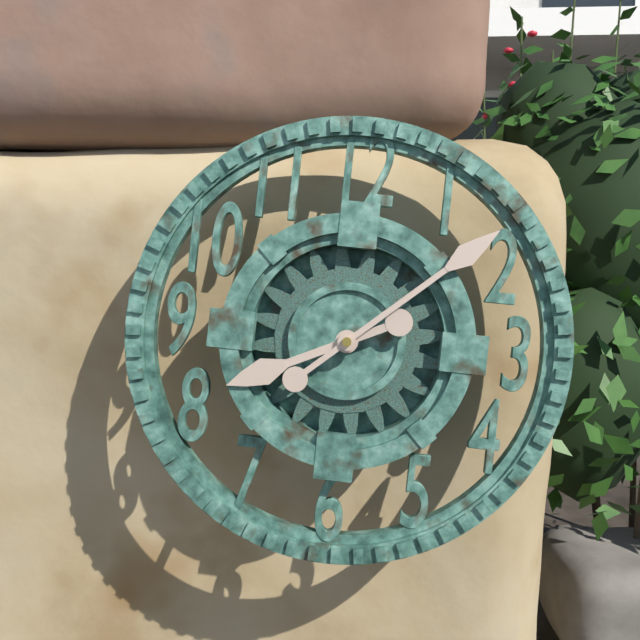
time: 8:08
